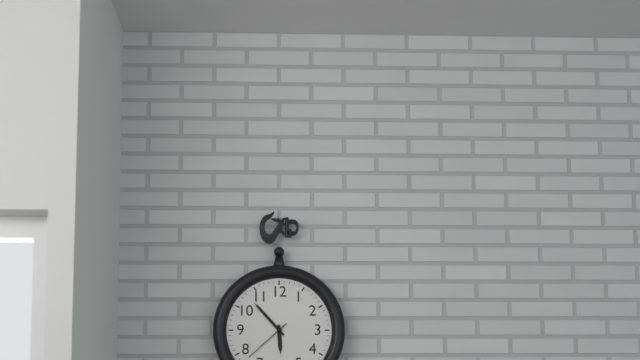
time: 5:53:38
